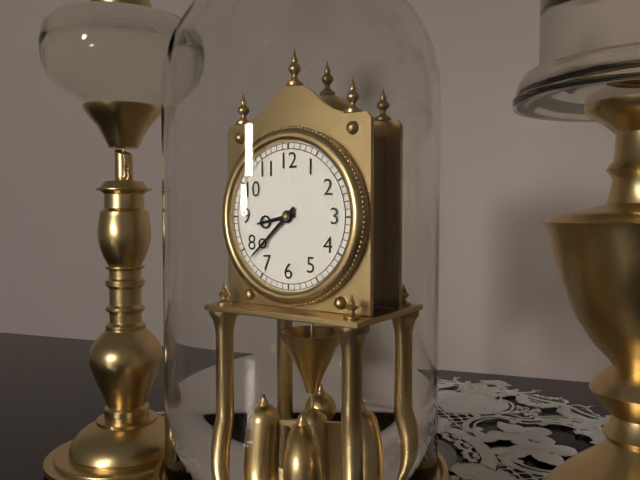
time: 8:38
